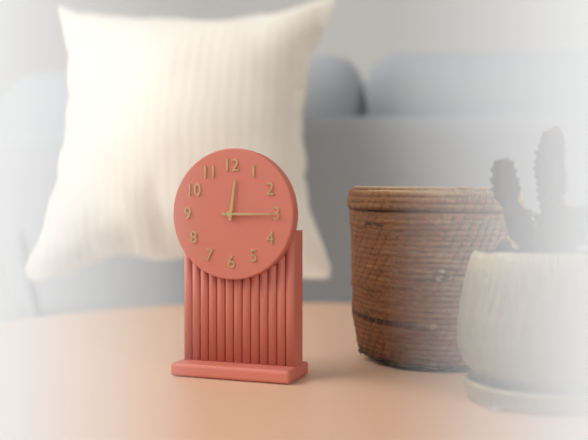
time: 12:15
